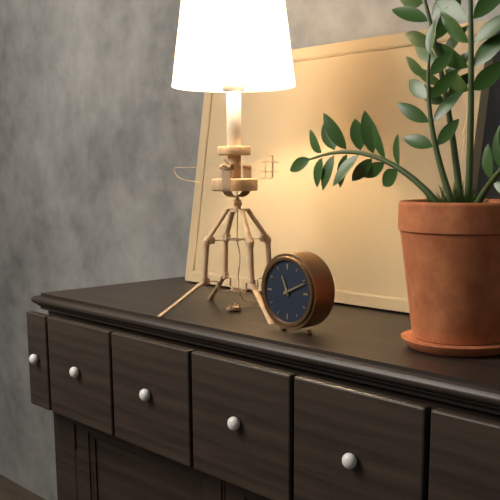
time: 11:11
